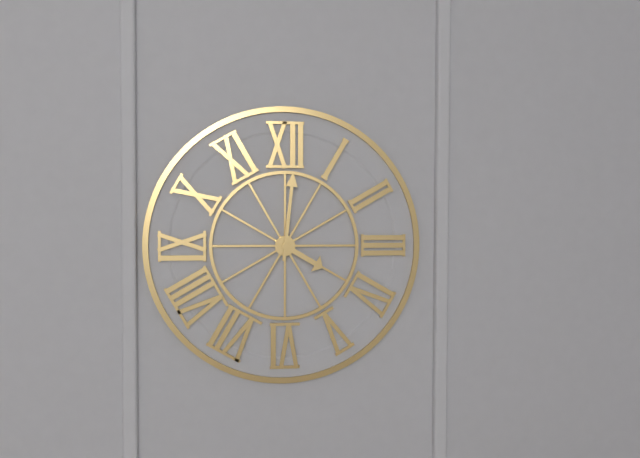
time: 4:01
